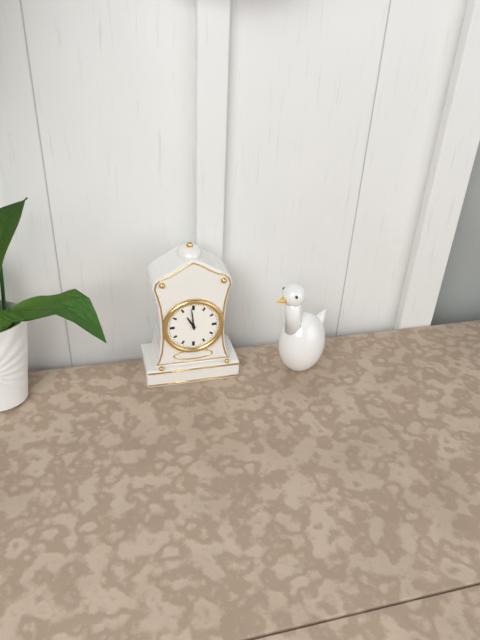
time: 10:59
